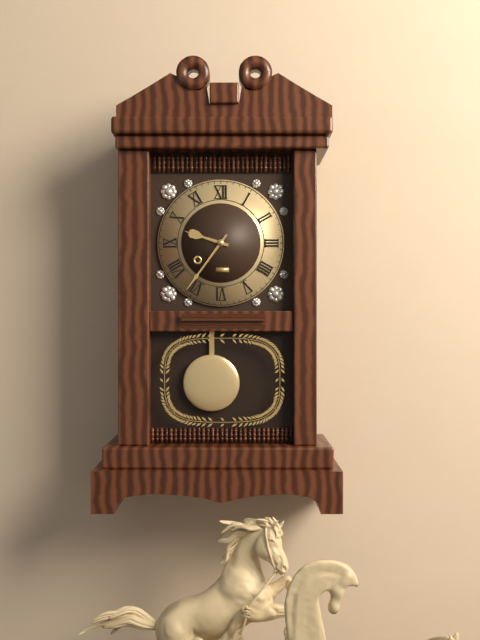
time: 9:36
